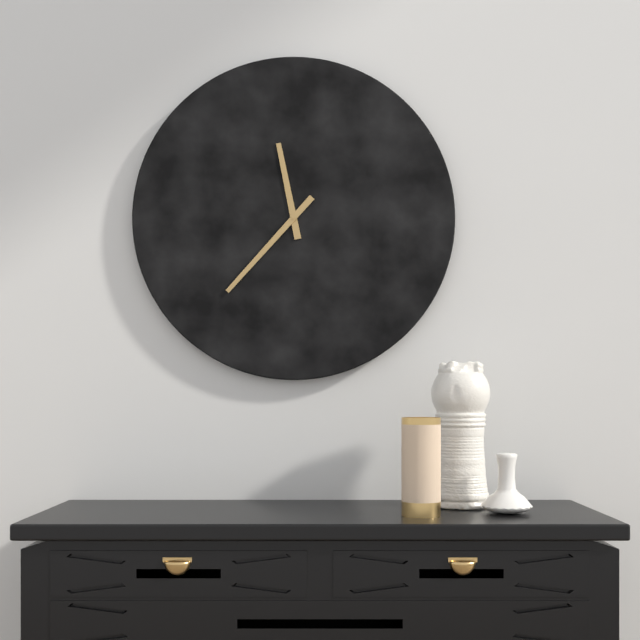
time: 11:37
